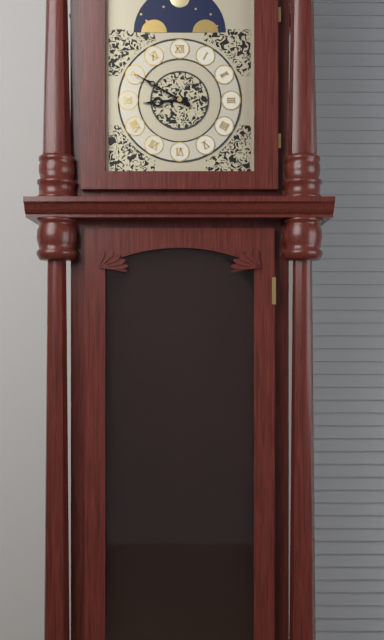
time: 8:50
